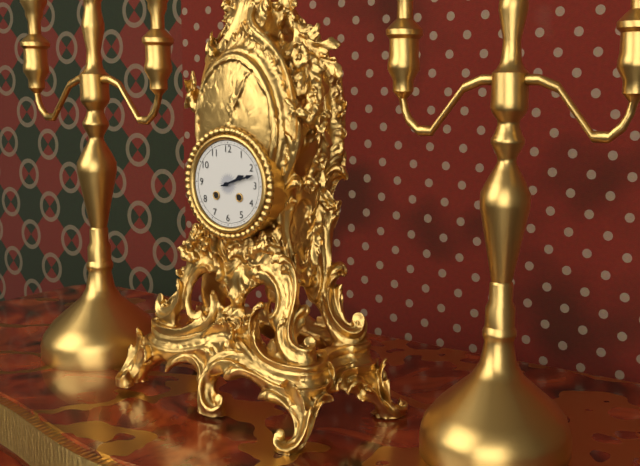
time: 2:12
